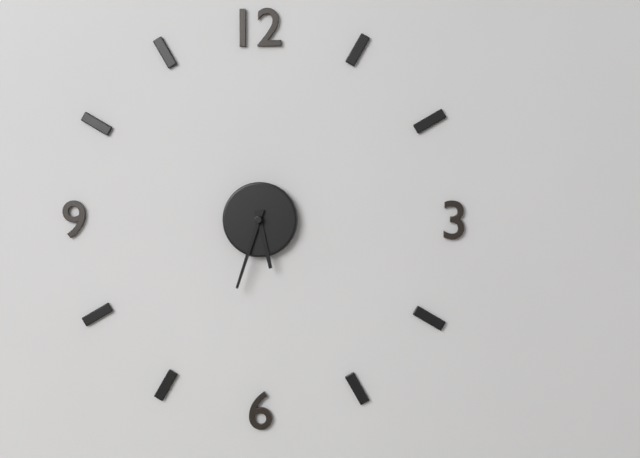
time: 5:33
